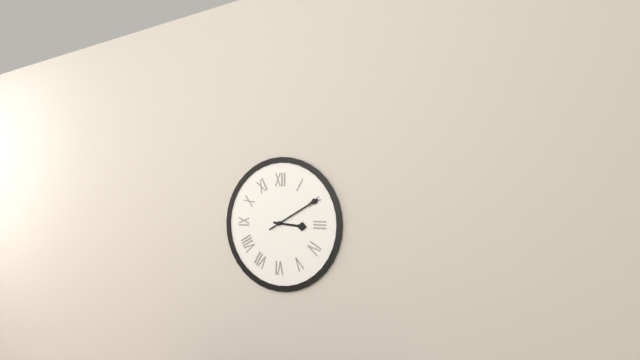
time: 3:10
